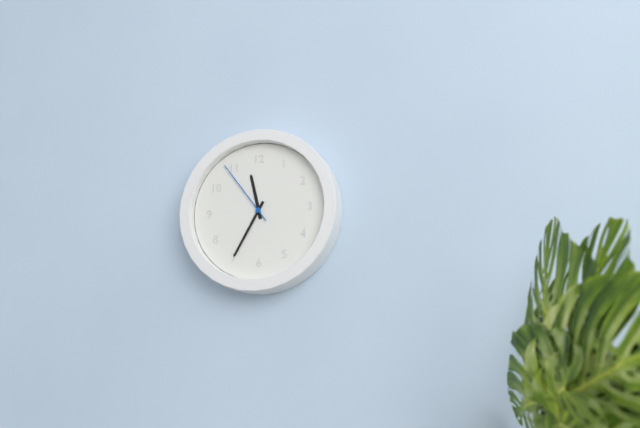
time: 11:35:54
